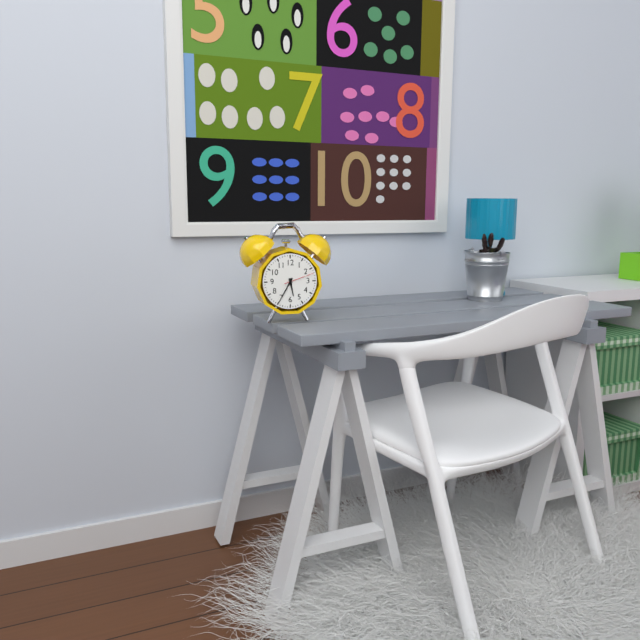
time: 5:35
